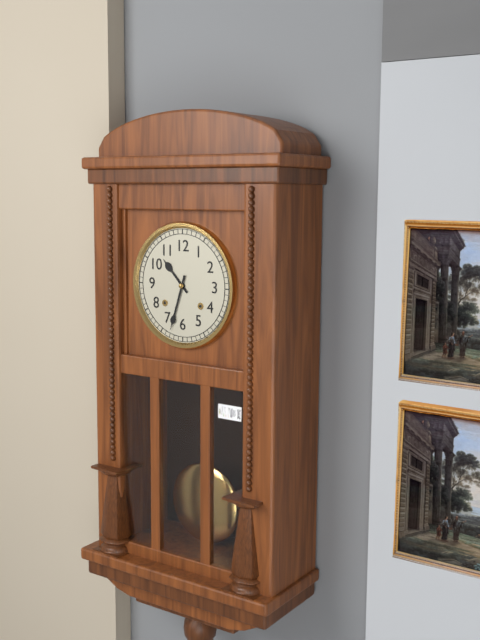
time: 10:33
